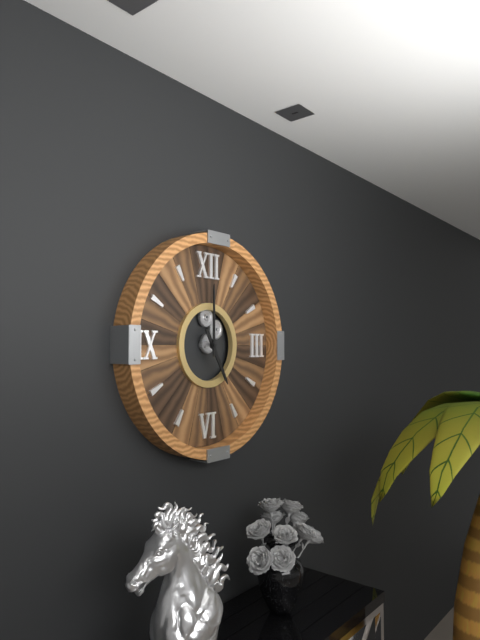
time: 5:00
